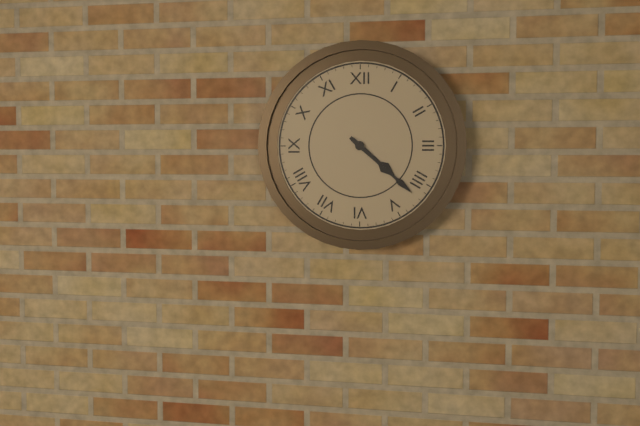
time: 4:22
